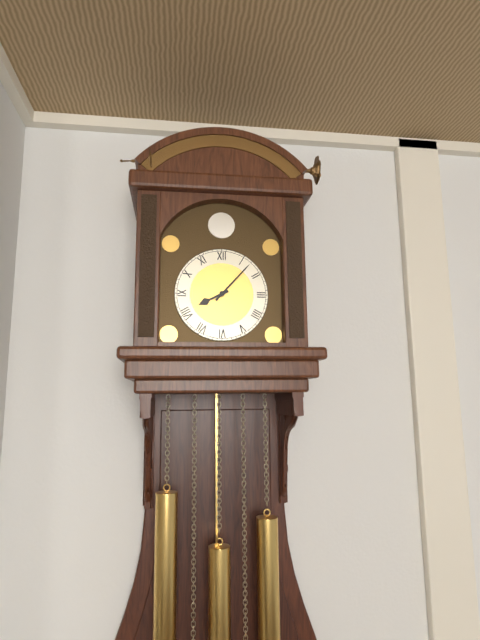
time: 8:07
